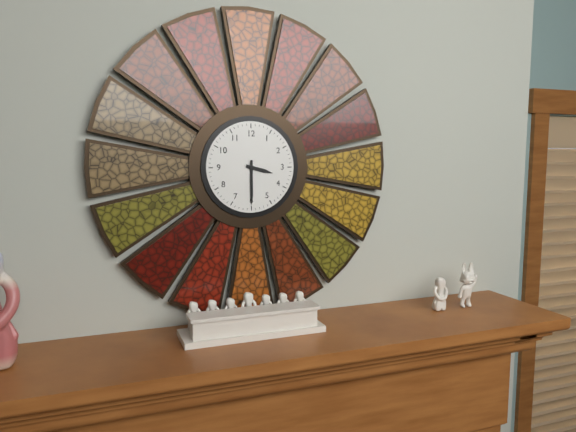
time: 3:30
